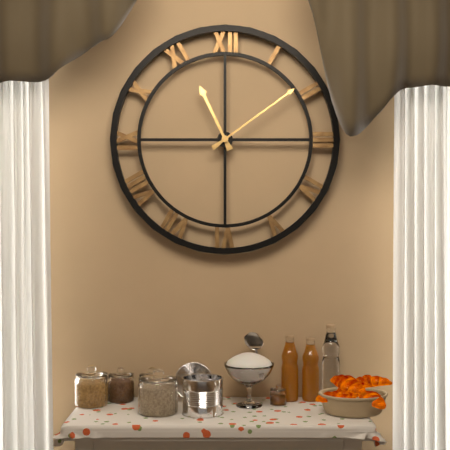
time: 11:09
